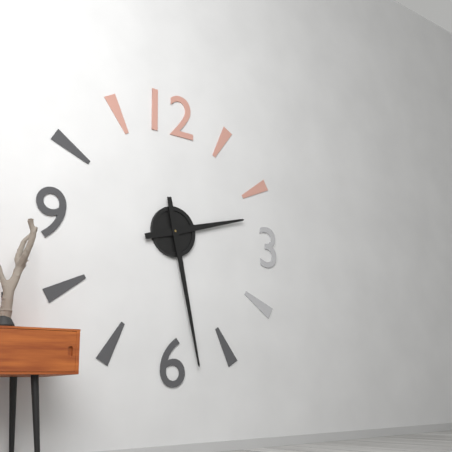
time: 2:28
